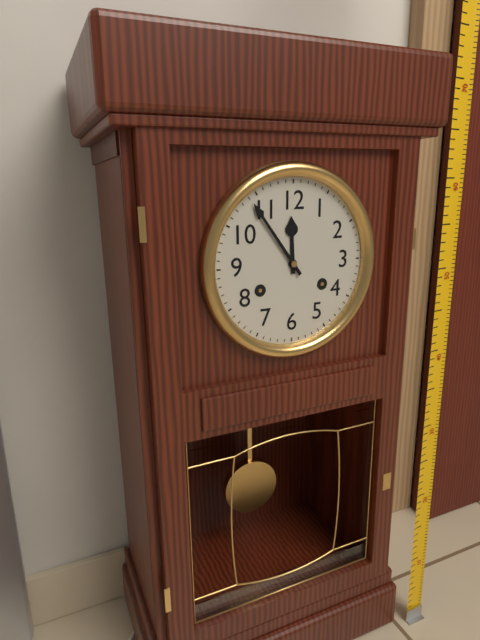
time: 11:54
